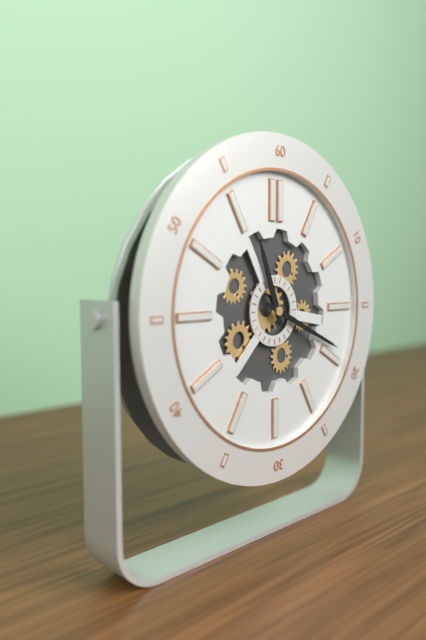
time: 11:19
